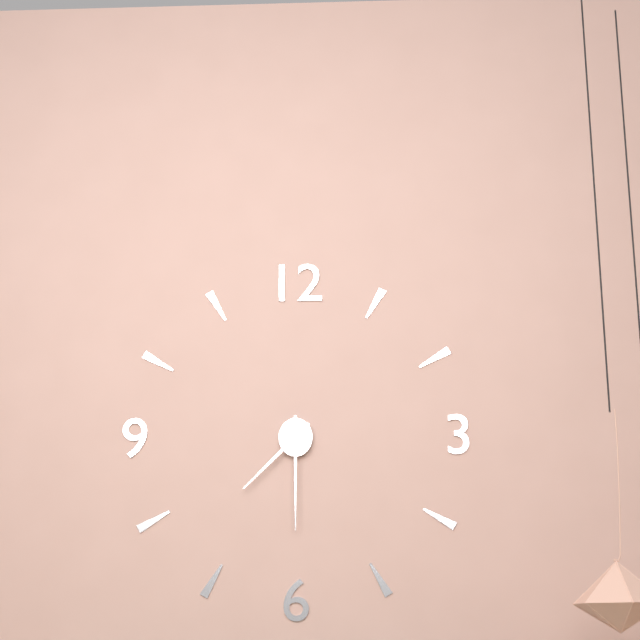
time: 7:30
